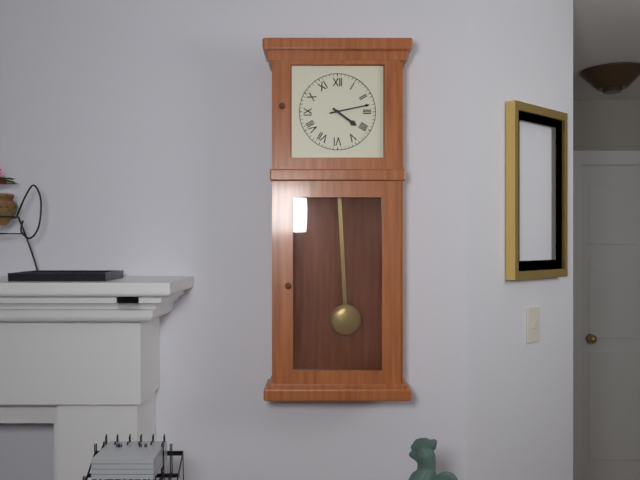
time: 4:13
